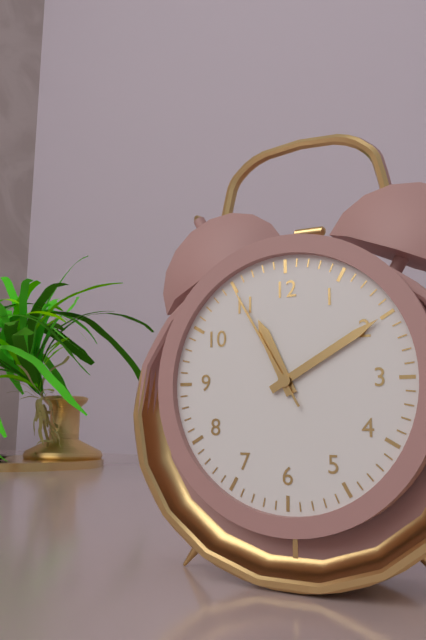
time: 11:10:55
